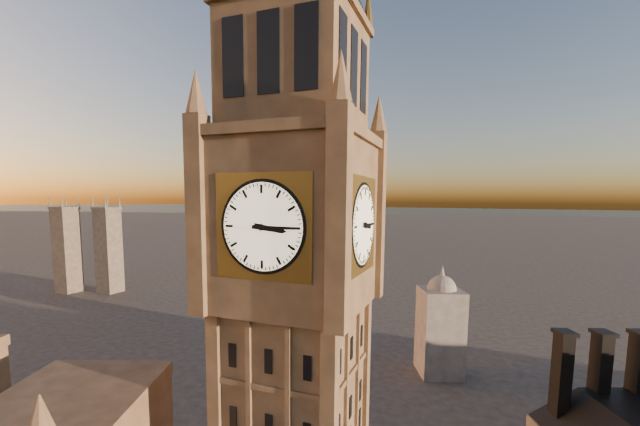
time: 3:15
